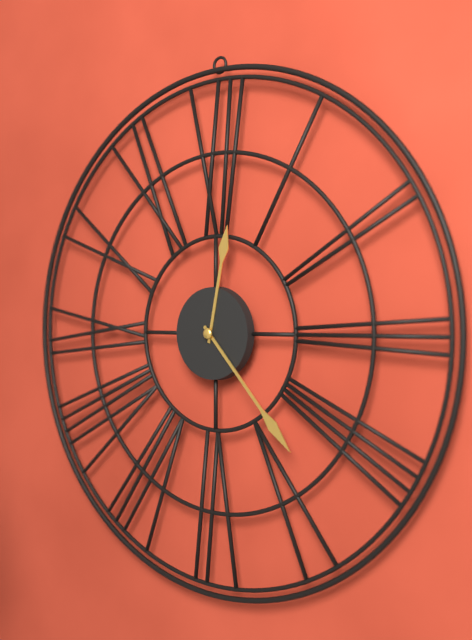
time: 12:23
